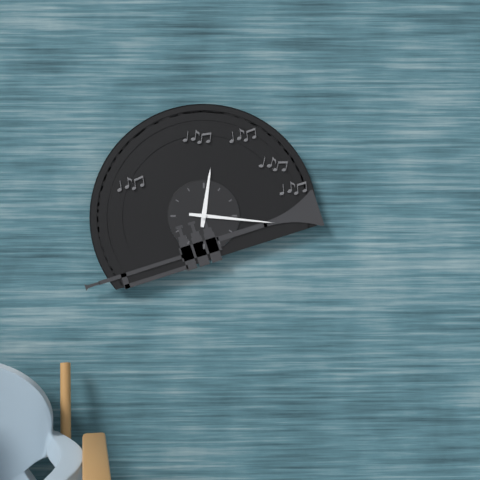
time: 12:16
